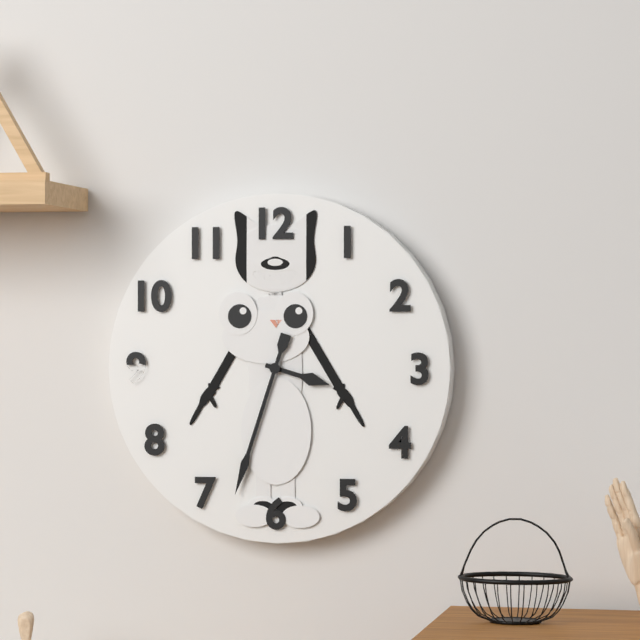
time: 3:33
